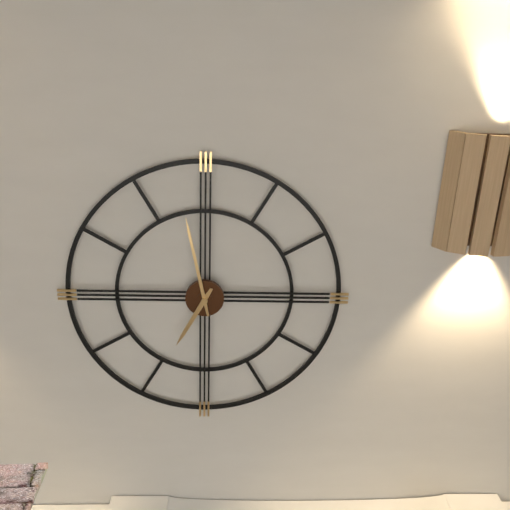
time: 6:58
